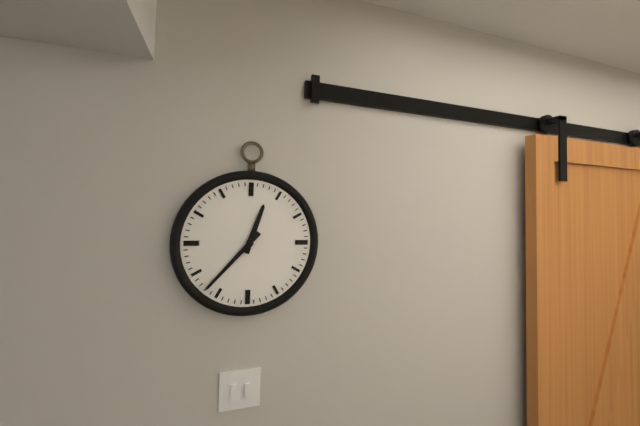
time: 12:37
